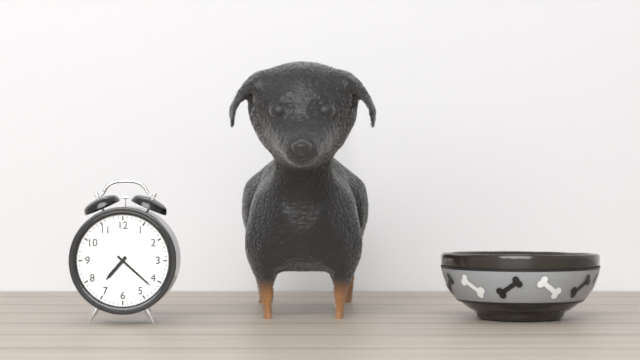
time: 7:22
